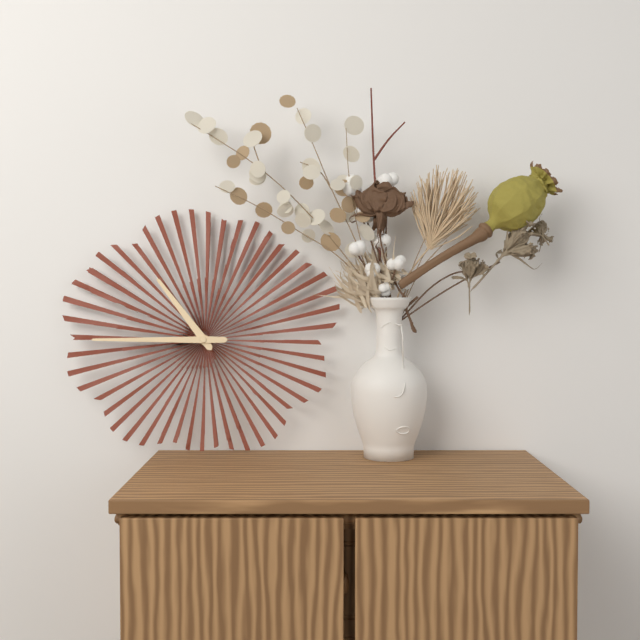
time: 10:45
